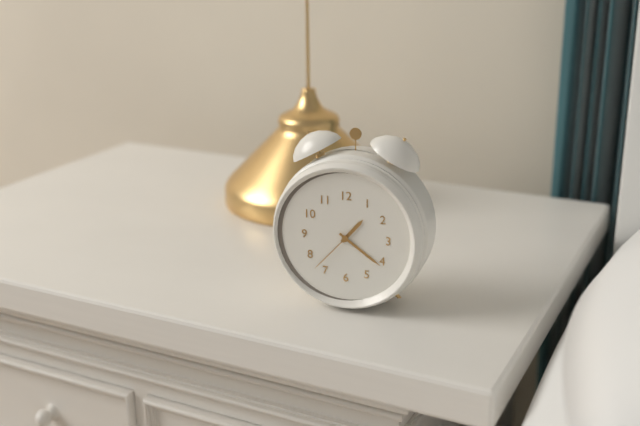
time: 1:21:37
